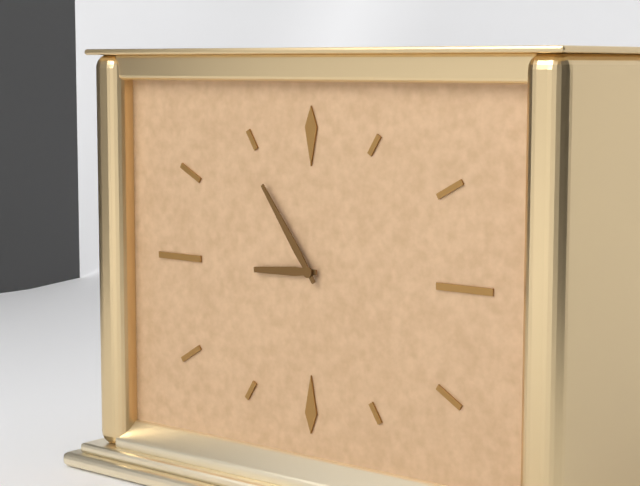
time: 8:54
